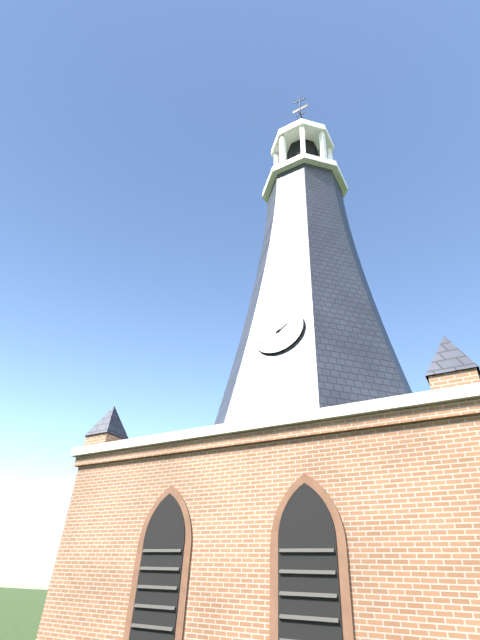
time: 1:40
